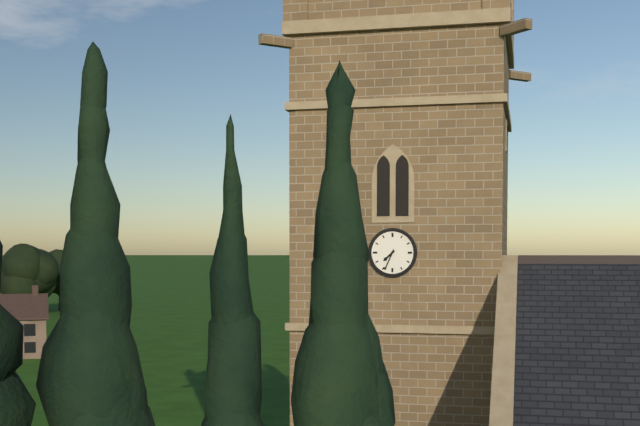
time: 7:34
